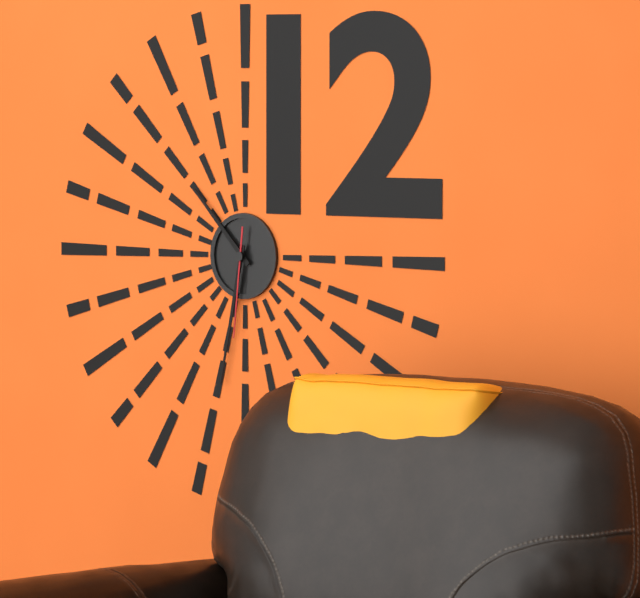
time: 10:32:31
